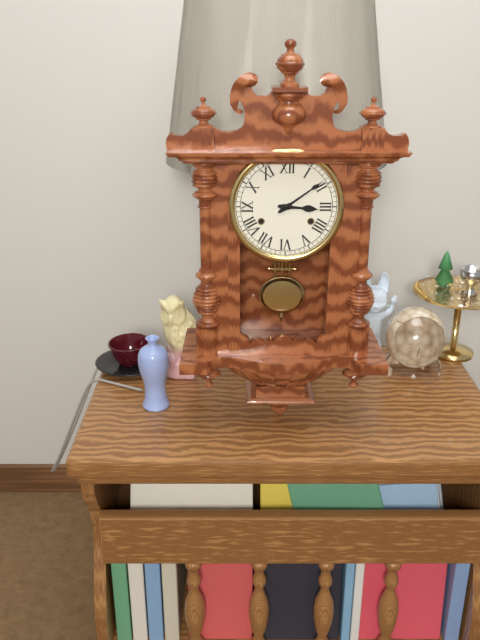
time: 3:09
